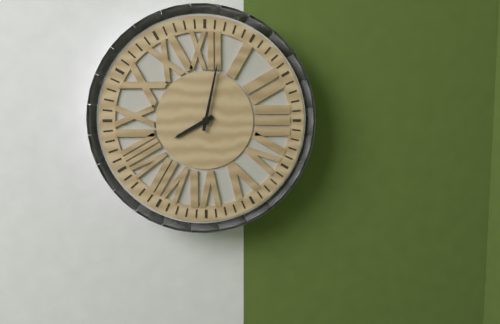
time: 8:02
